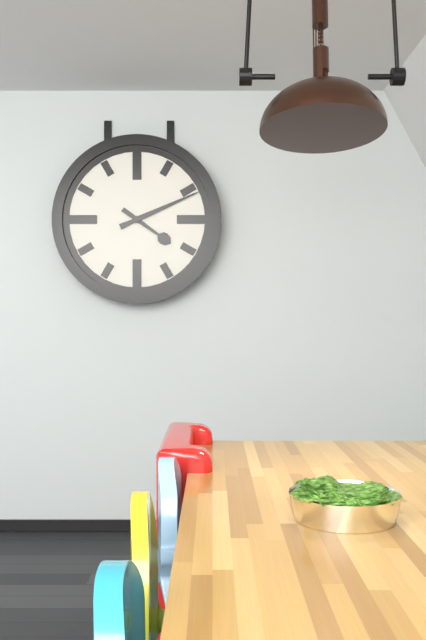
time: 4:11
